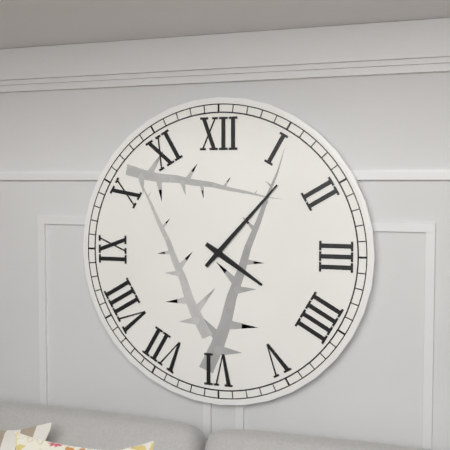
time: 4:07
